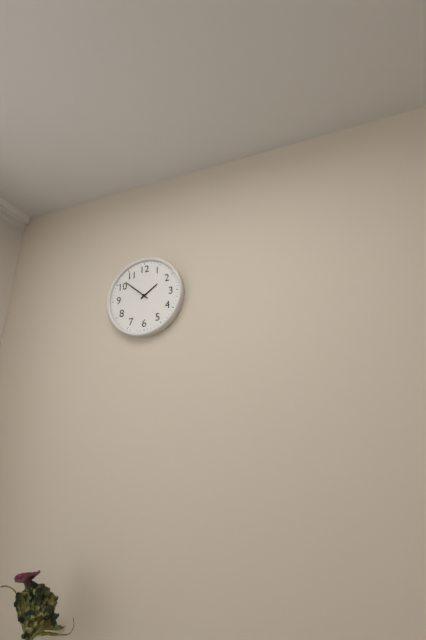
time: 1:52
